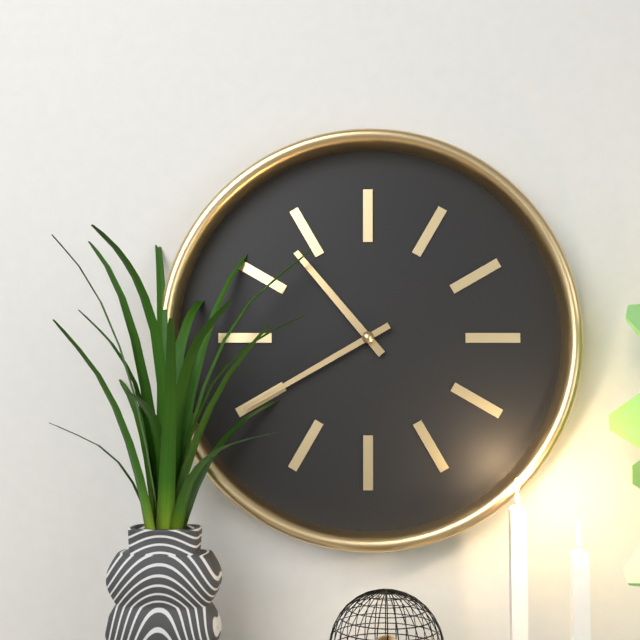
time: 10:40
